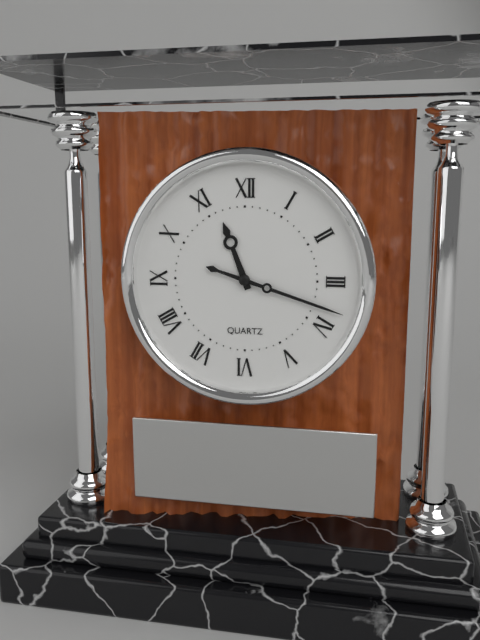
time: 11:18
